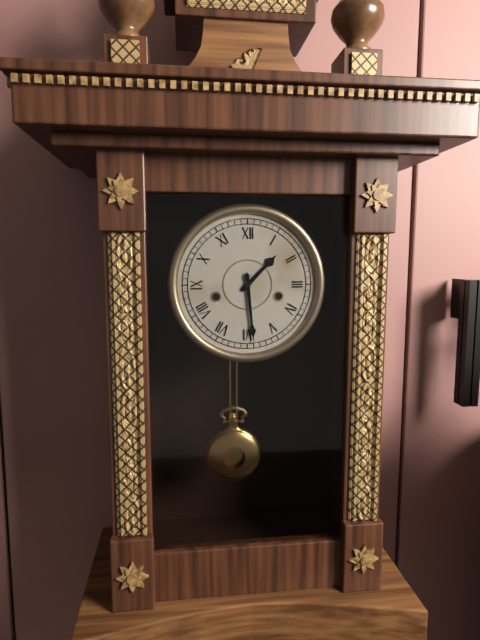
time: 1:29
